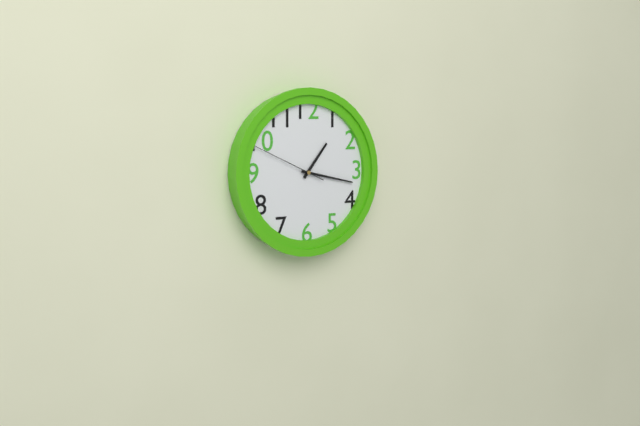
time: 1:17:49
